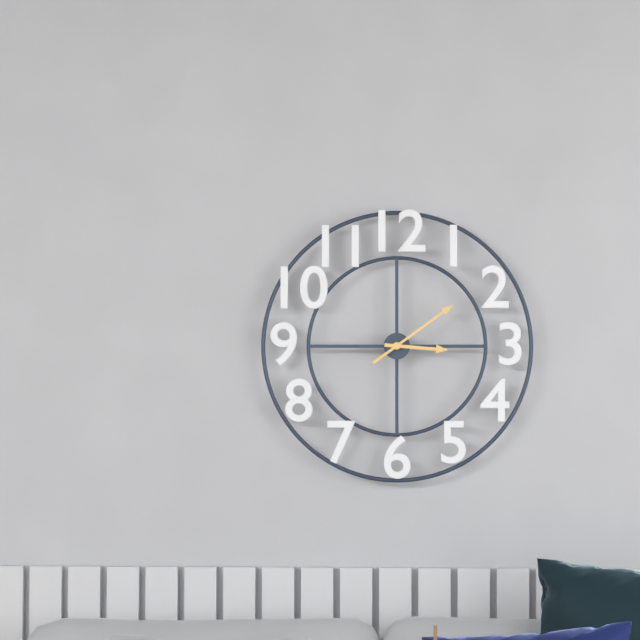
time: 3:09
